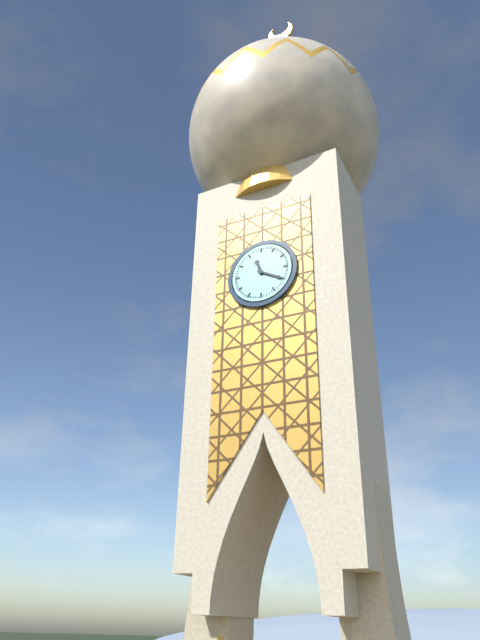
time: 11:20
